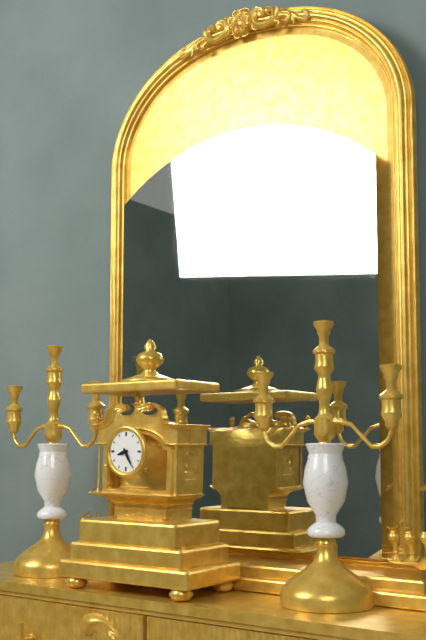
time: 8:25
